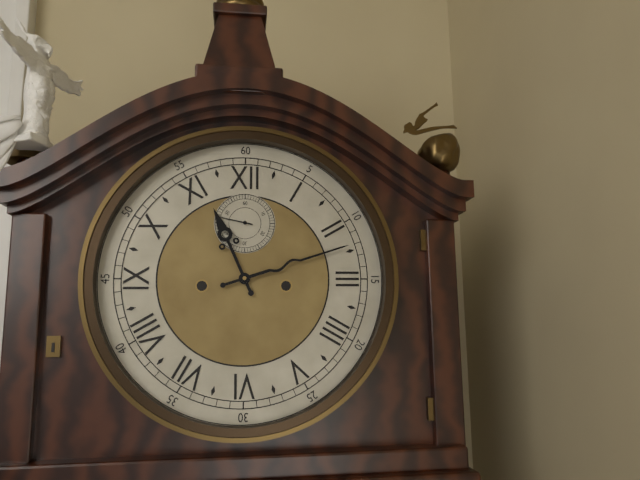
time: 11:12
